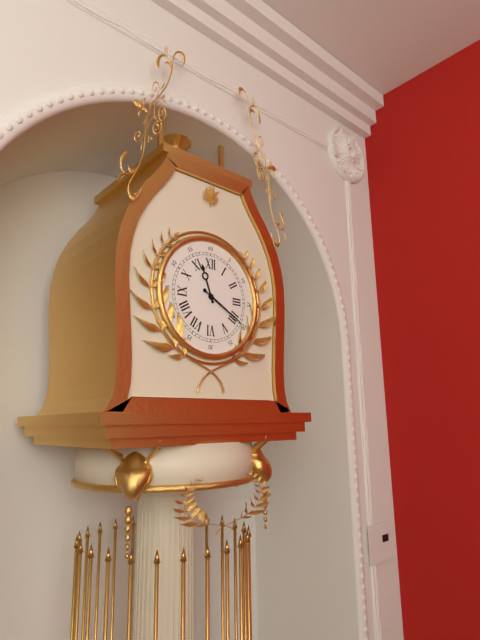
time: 11:20
